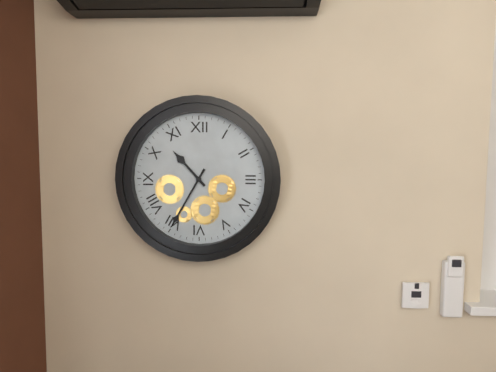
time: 10:35
